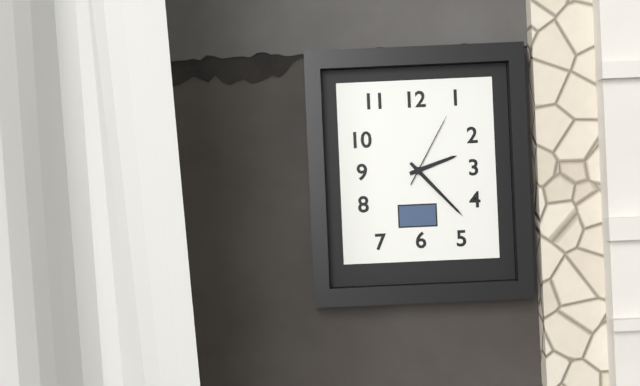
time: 2:23:05
